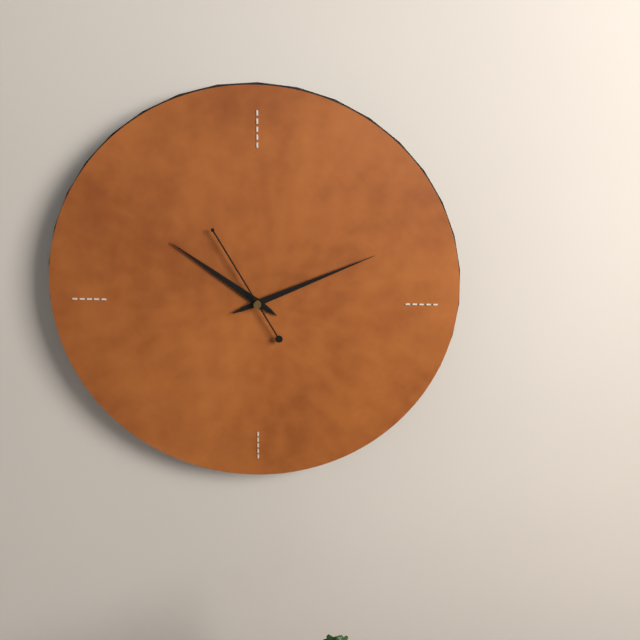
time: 10:11:55
